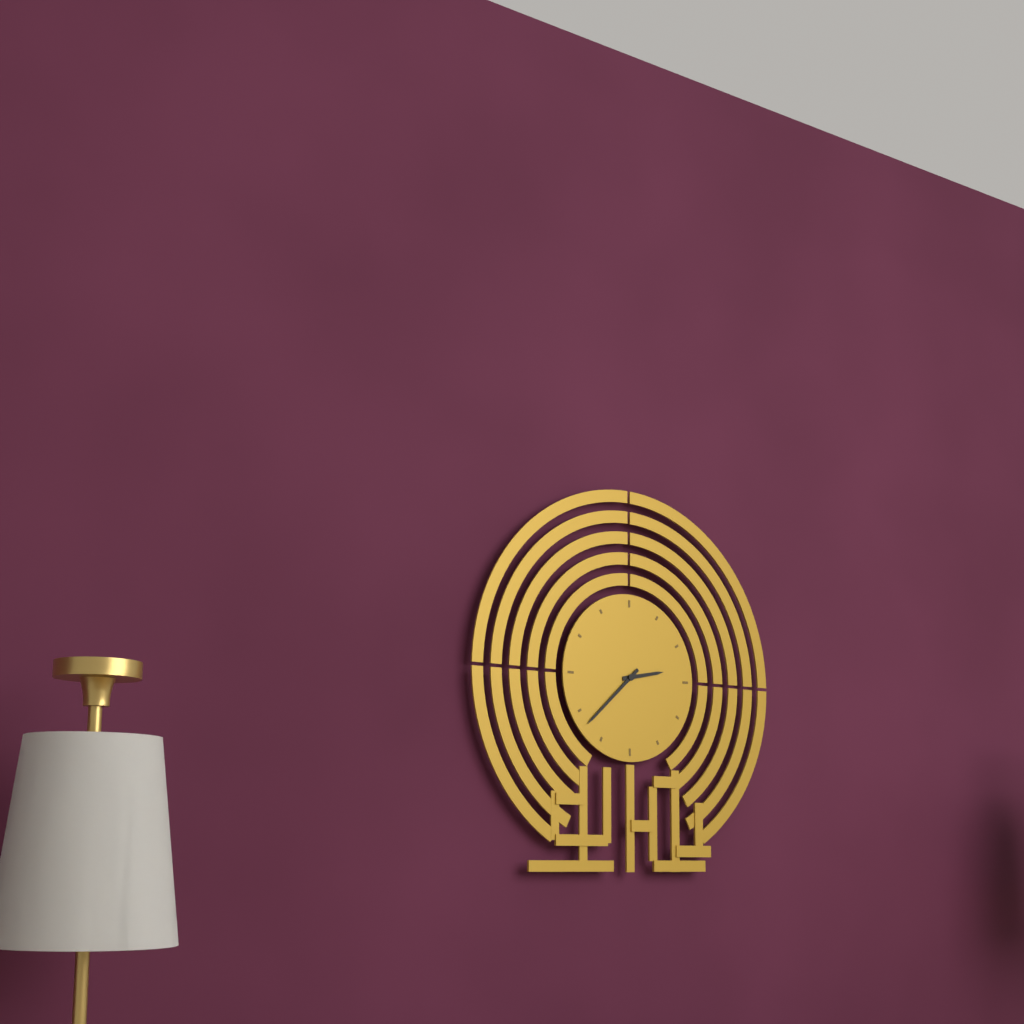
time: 2:38
